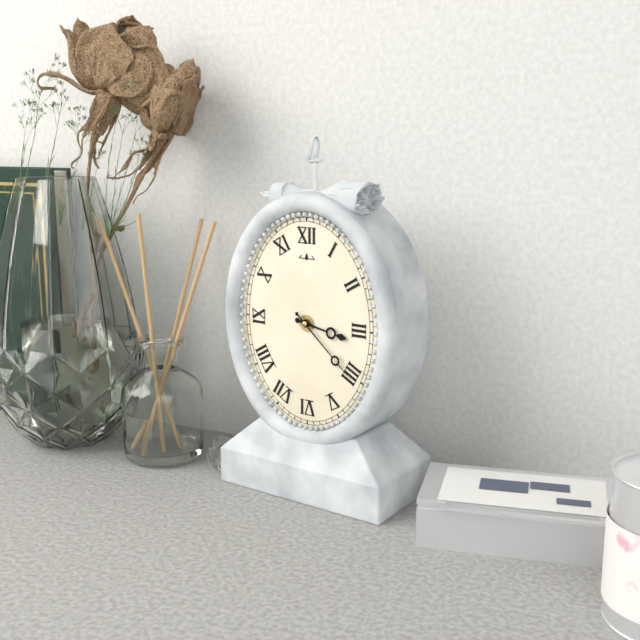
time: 3:22
